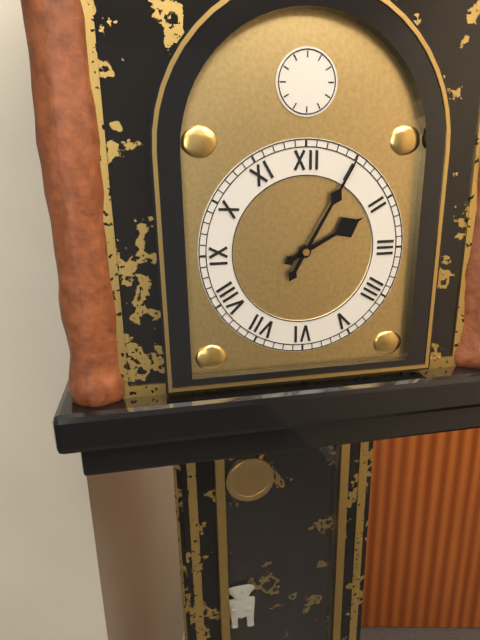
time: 2:05
